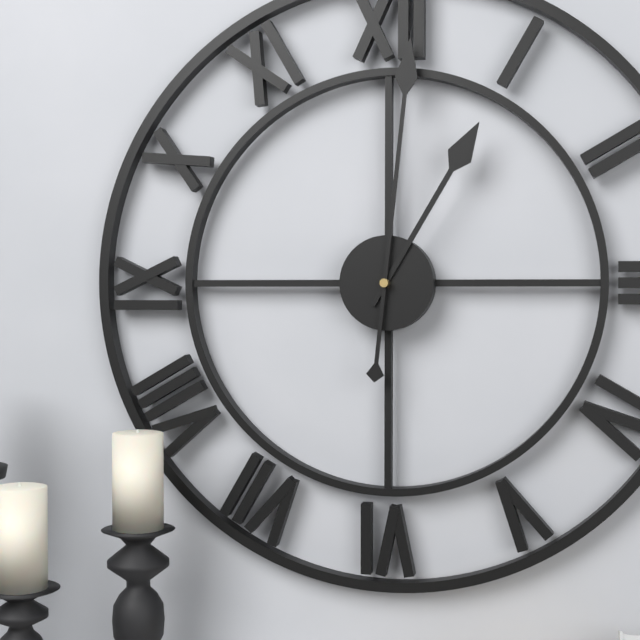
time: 1:01
